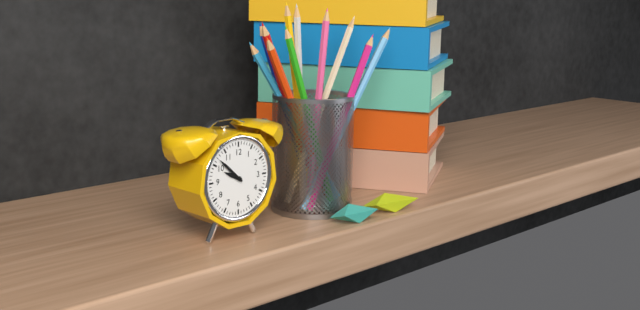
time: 9:52
